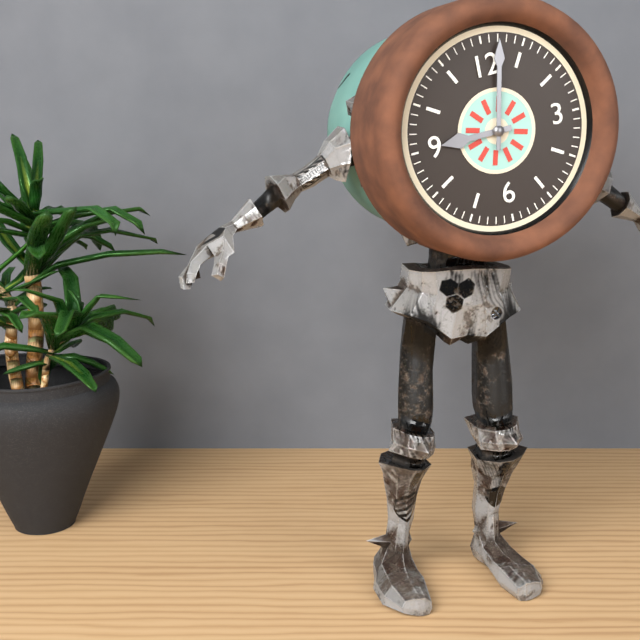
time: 9:02
